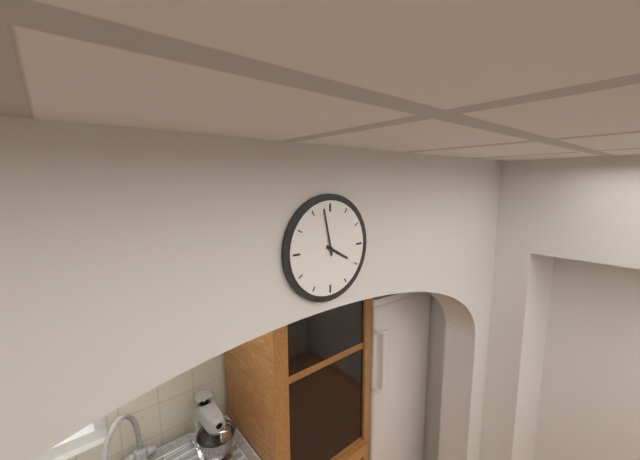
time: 3:58
